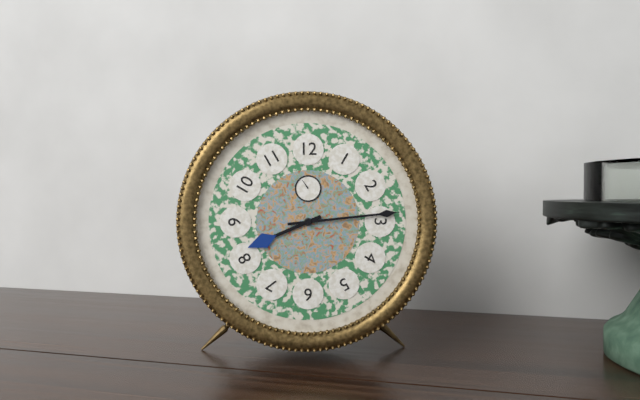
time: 8:14
